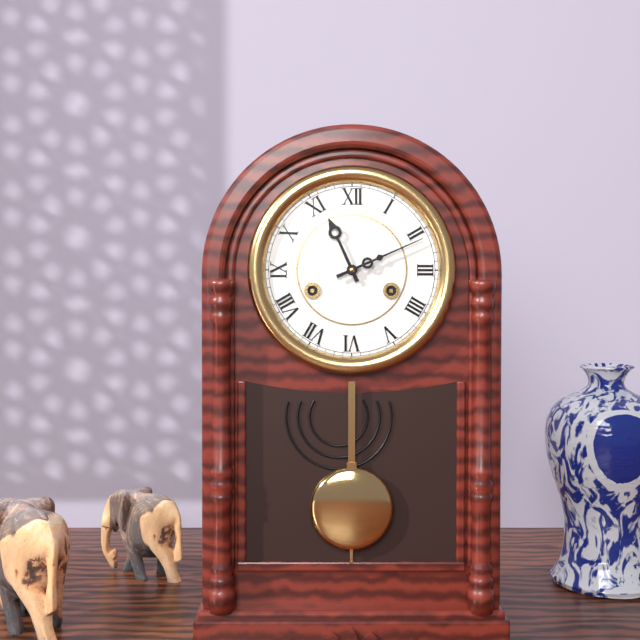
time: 11:11
